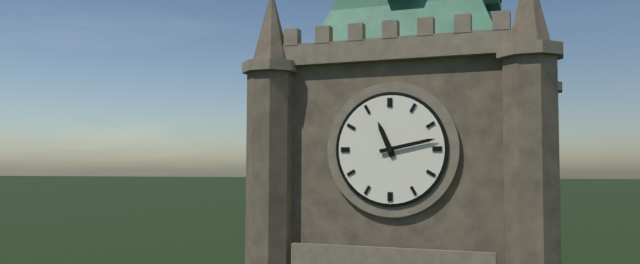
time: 11:13
